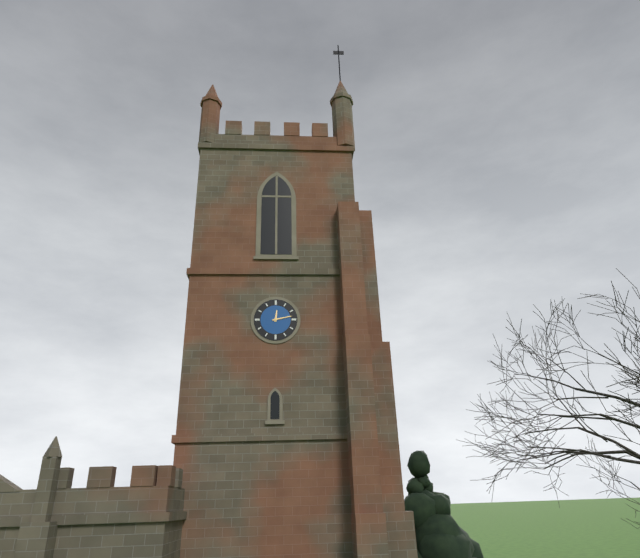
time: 12:13
